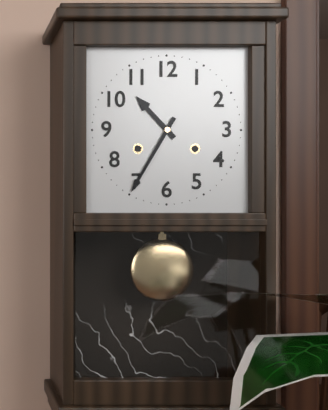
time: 10:35
